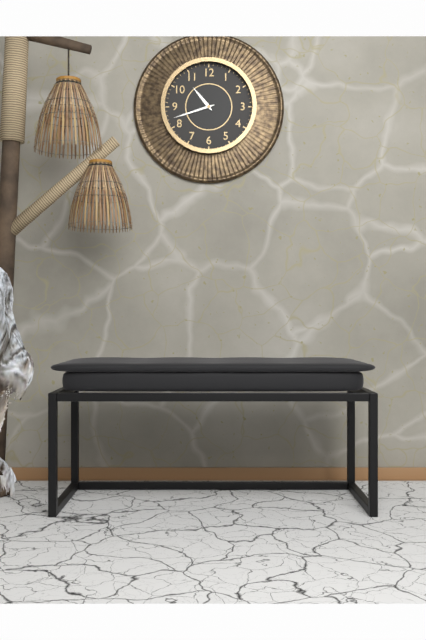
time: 10:42
